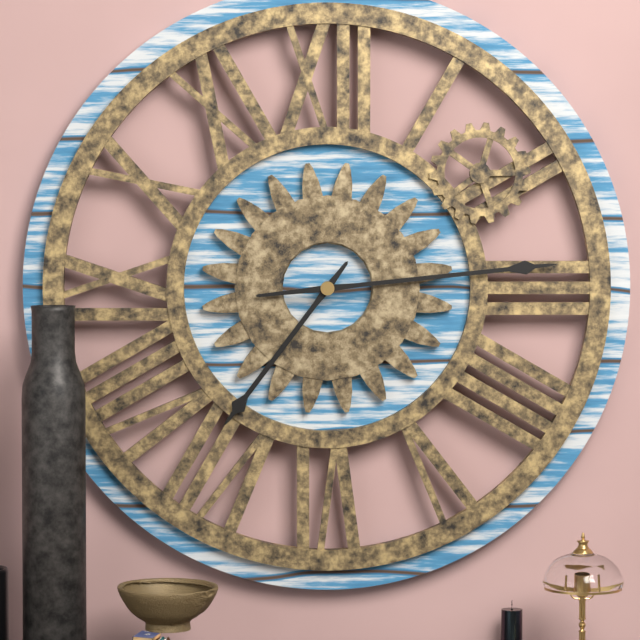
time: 7:14
